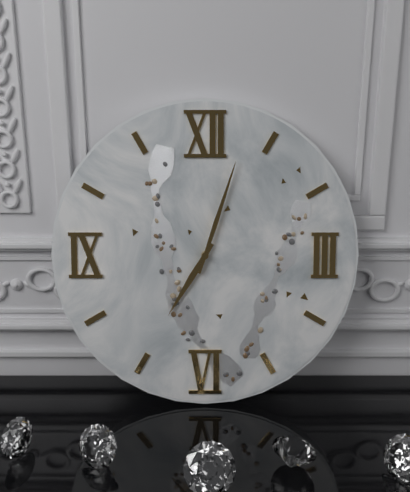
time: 7:03
